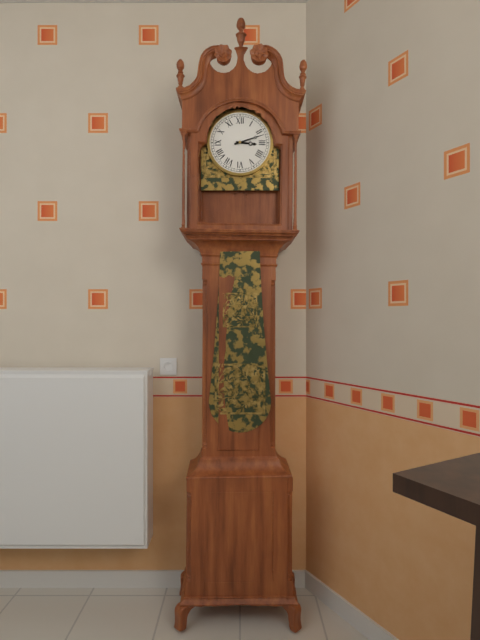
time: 3:12
